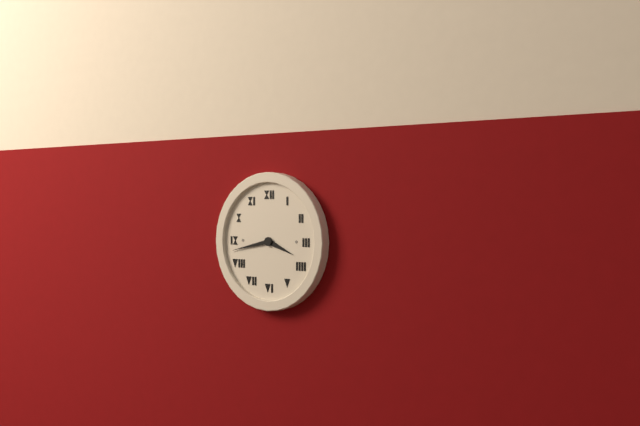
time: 3:43
